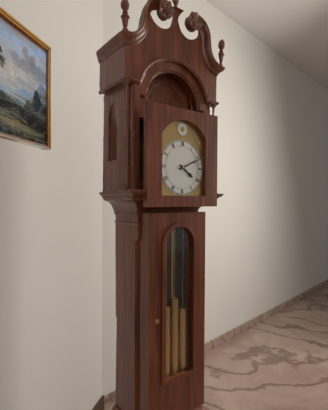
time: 4:11
